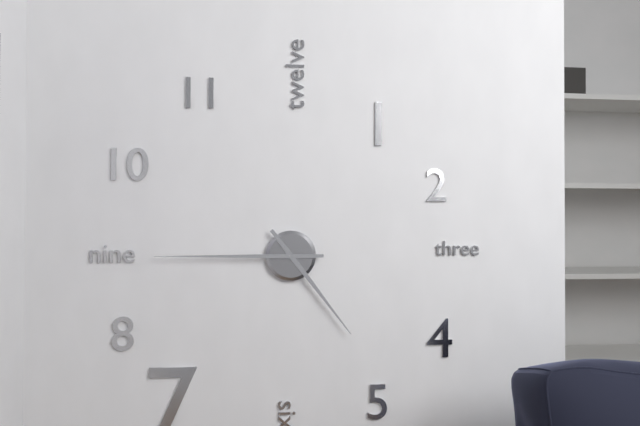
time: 4:45
